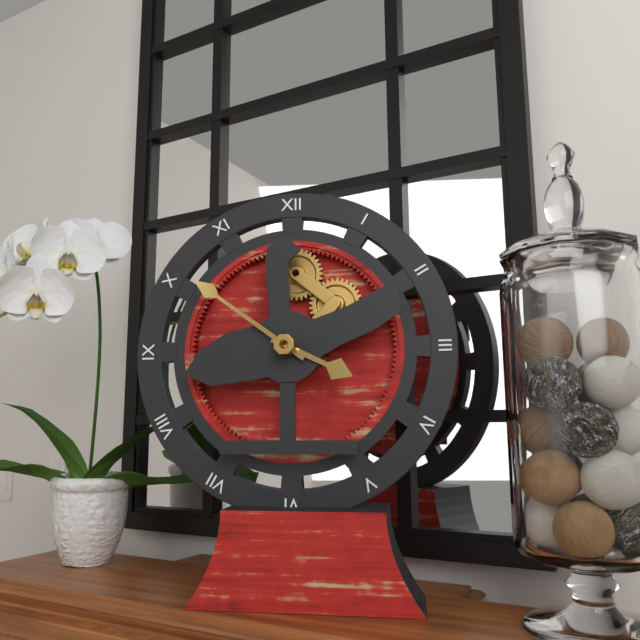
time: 3:51
